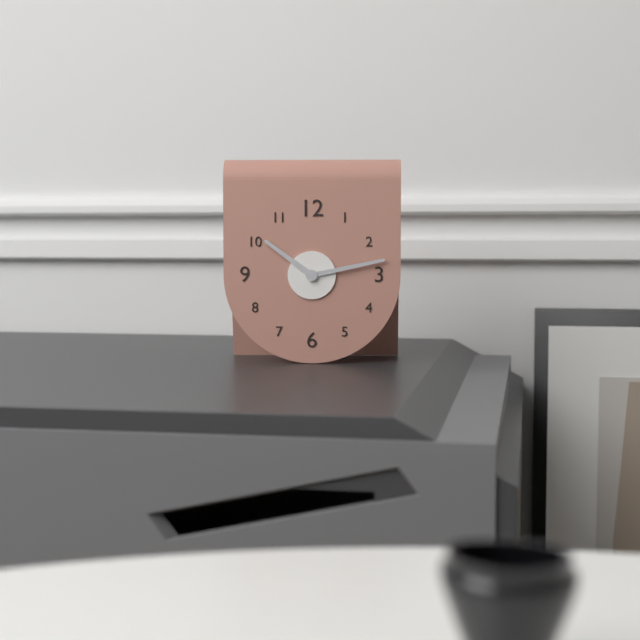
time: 10:13
